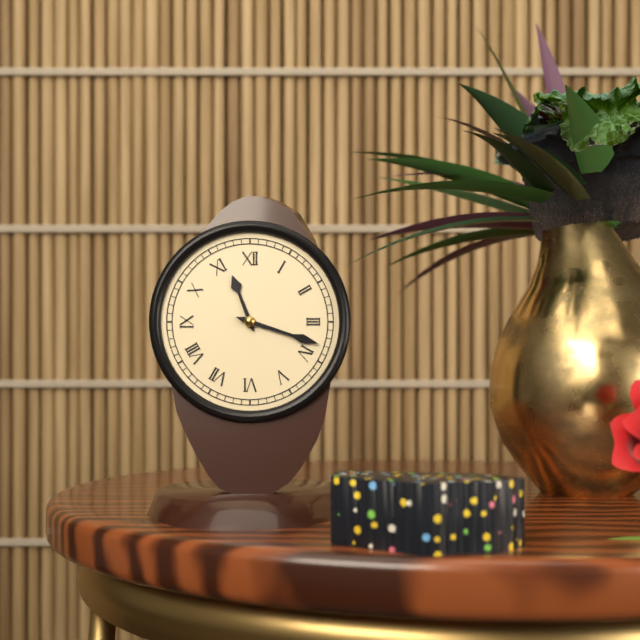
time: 11:18
